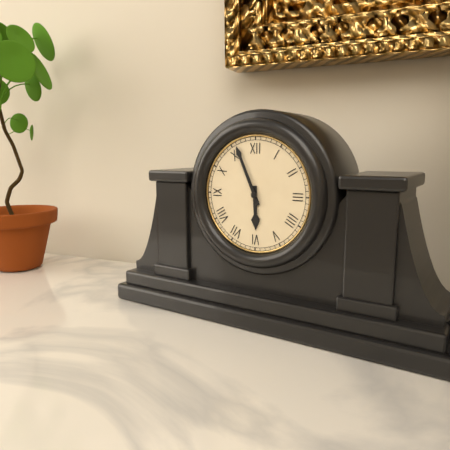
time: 5:56
